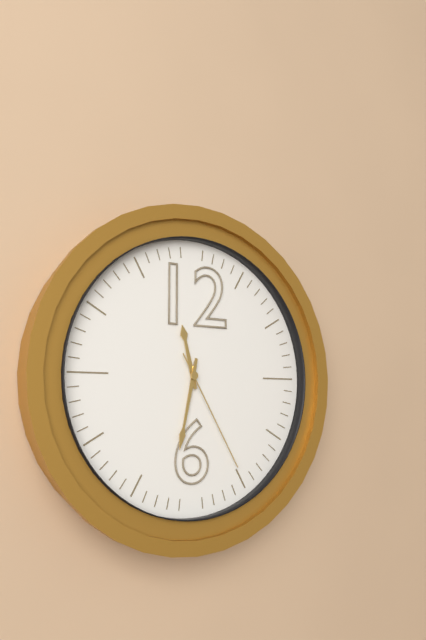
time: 11:32:25
